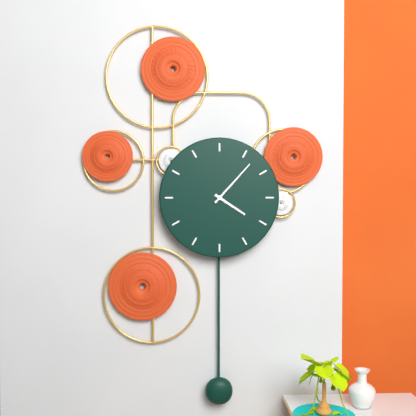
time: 4:07
